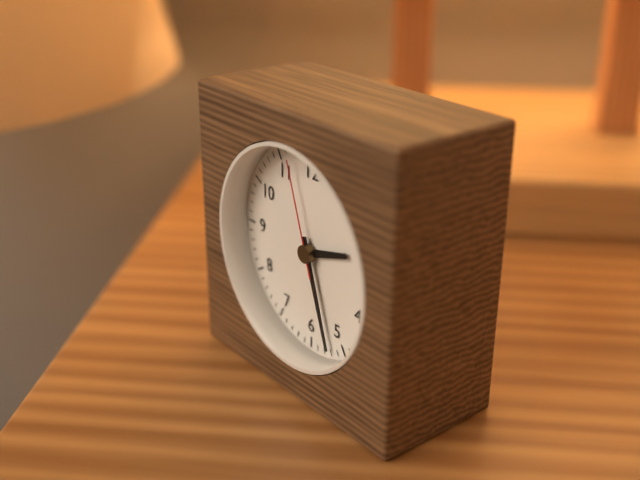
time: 2:27:57
